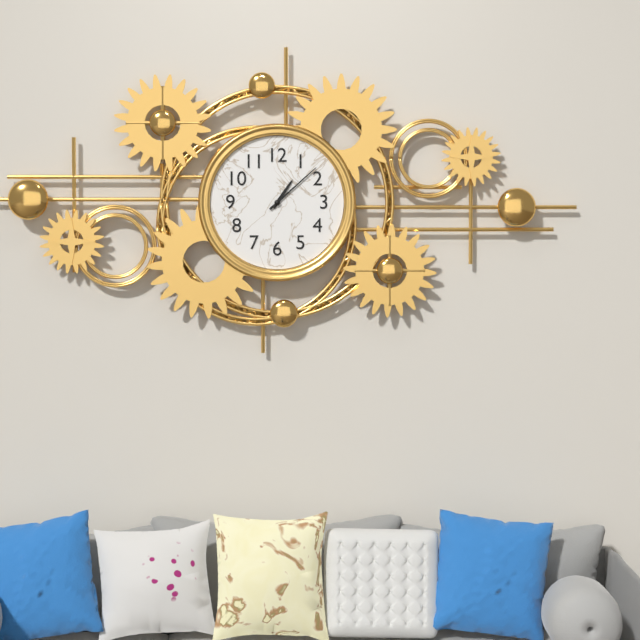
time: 1:08
